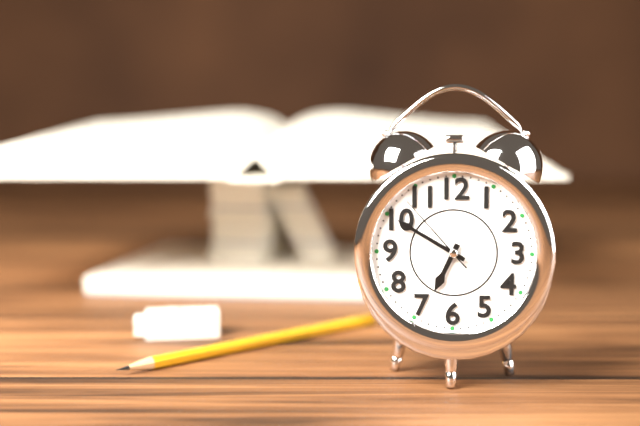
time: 6:50:53
